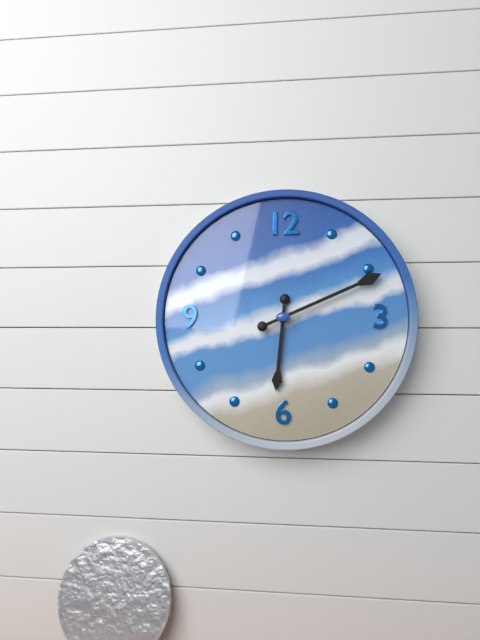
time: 6:11
